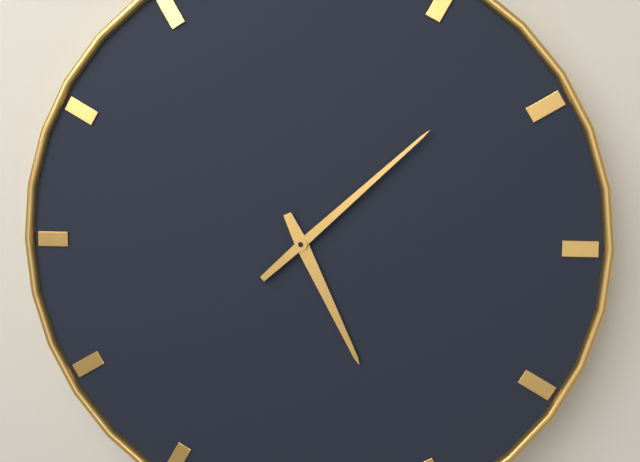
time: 5:08
